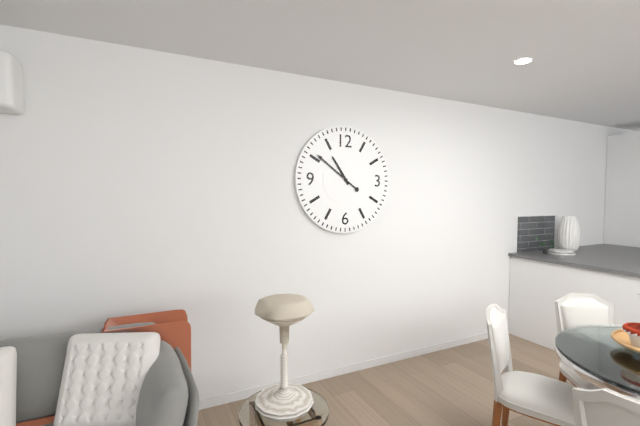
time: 10:51
